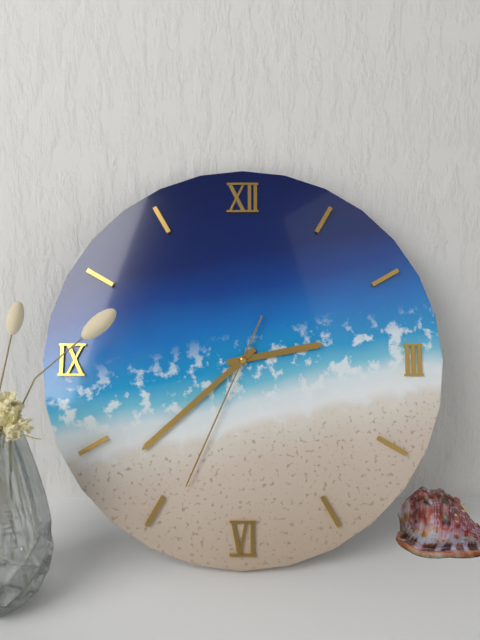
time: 2:38:34
